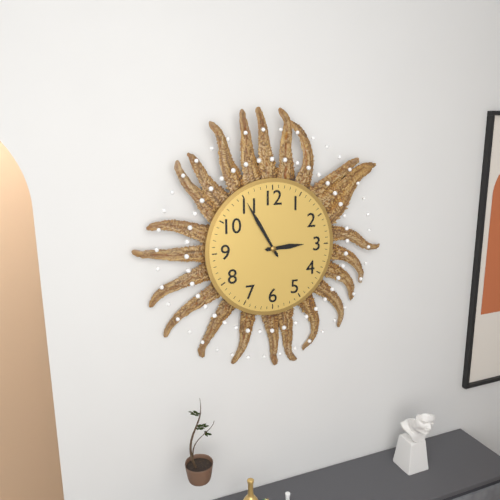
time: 2:55
